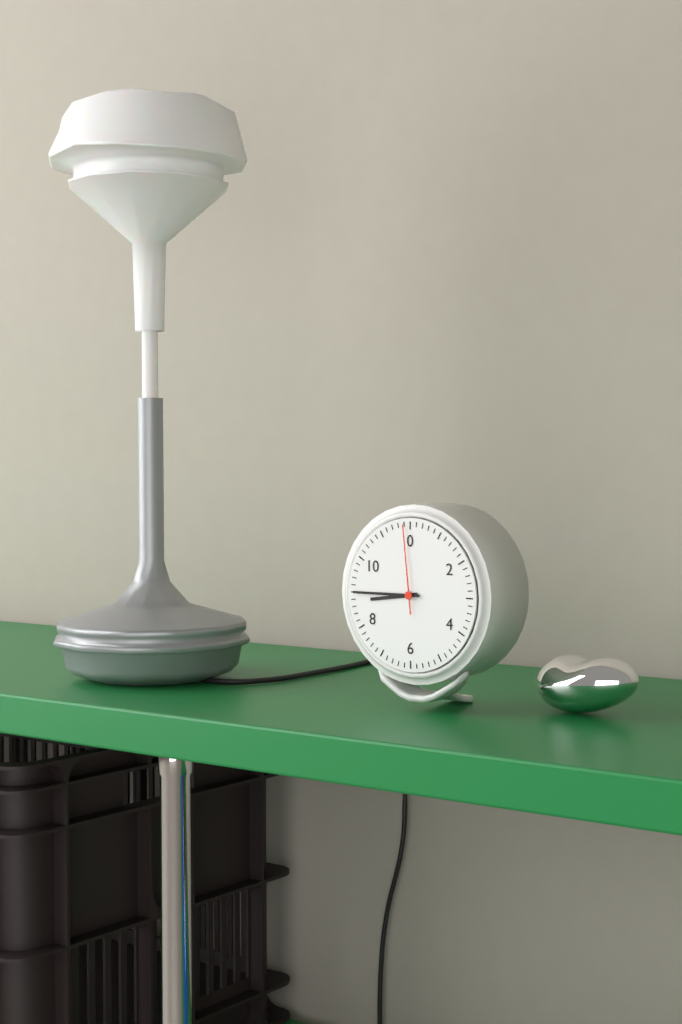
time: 8:45:59
